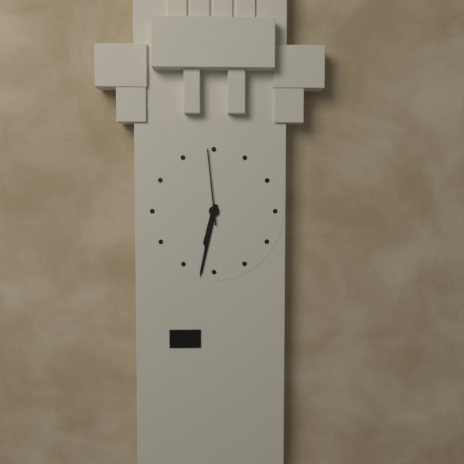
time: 6:32:59
